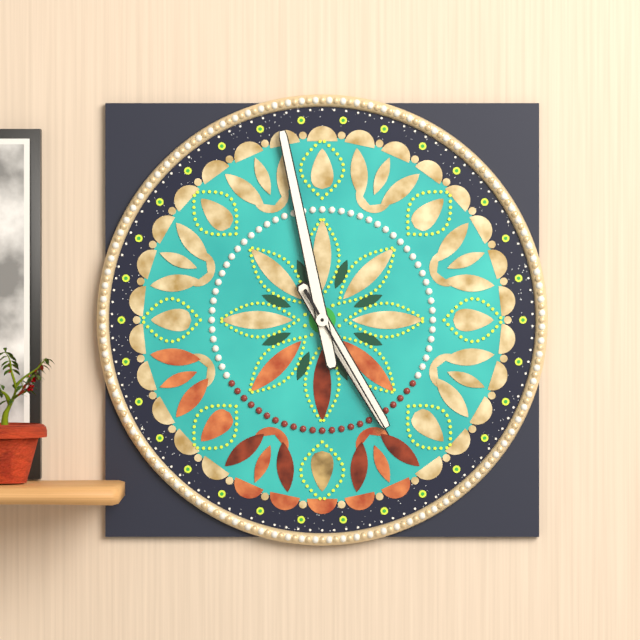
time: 4:58:25
